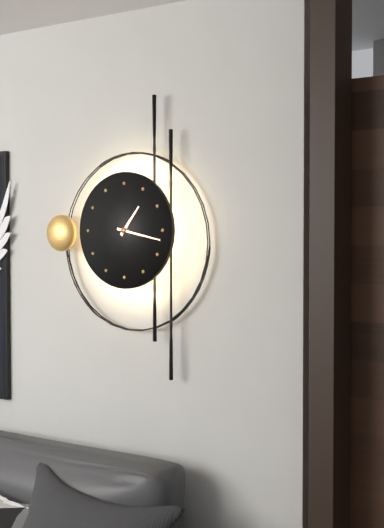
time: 1:17
